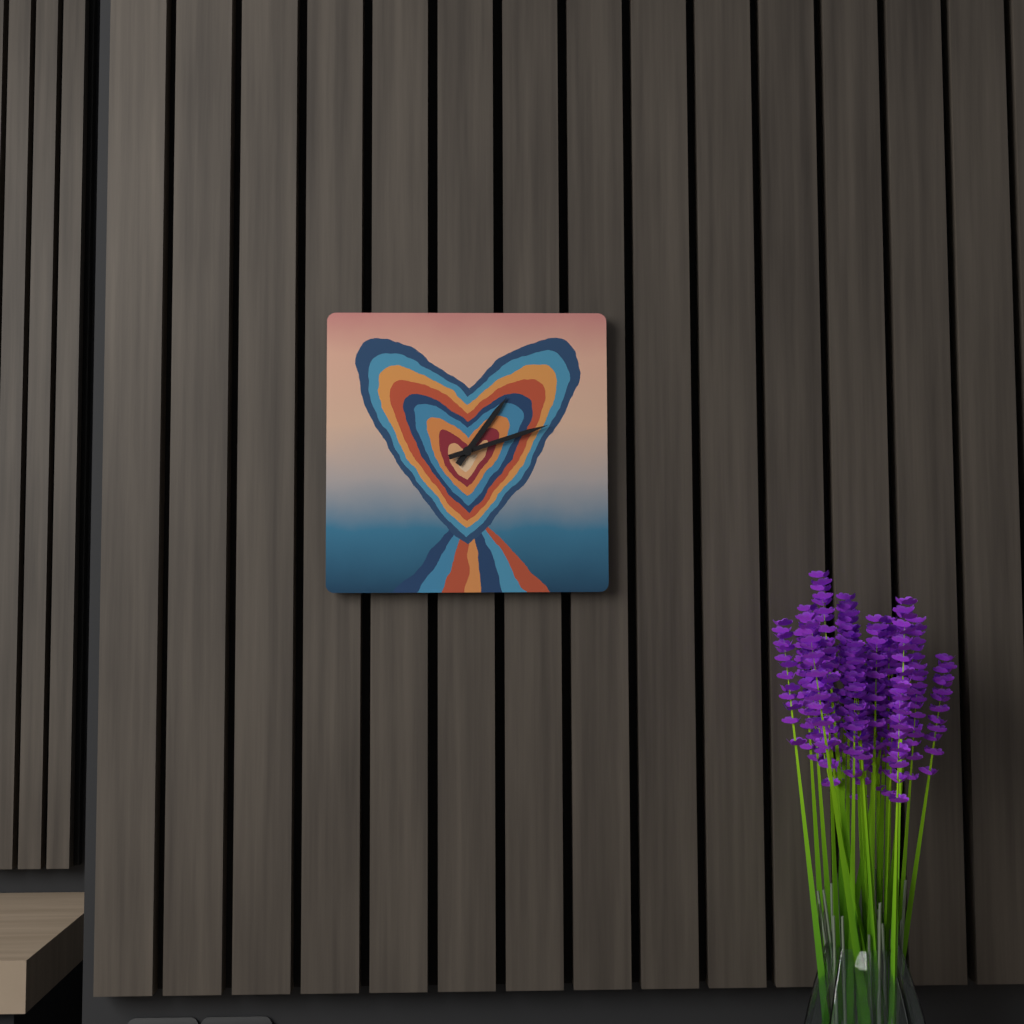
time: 1:12
